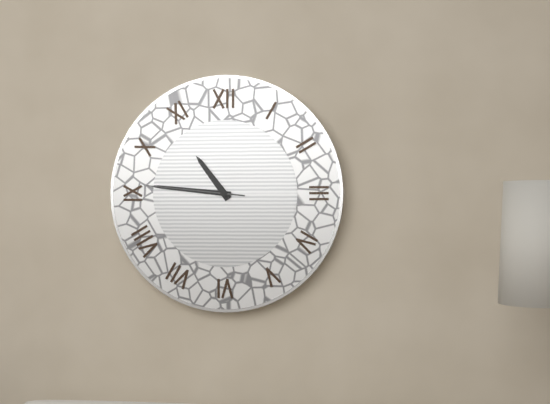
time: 10:46:46
